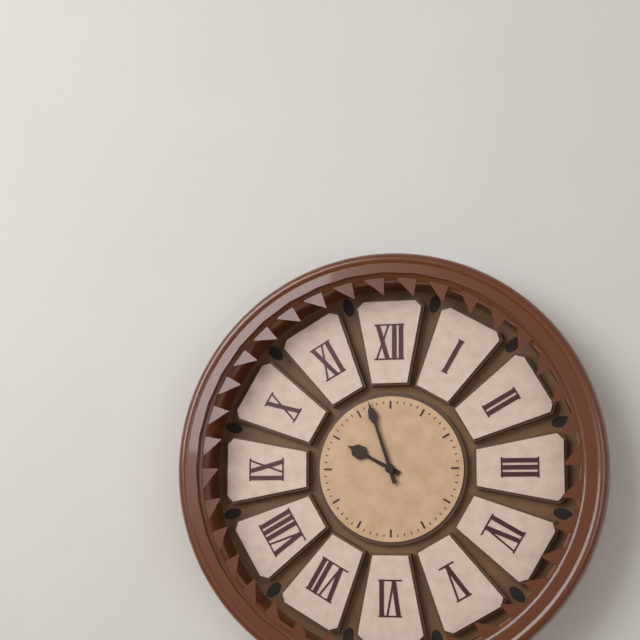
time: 9:57
